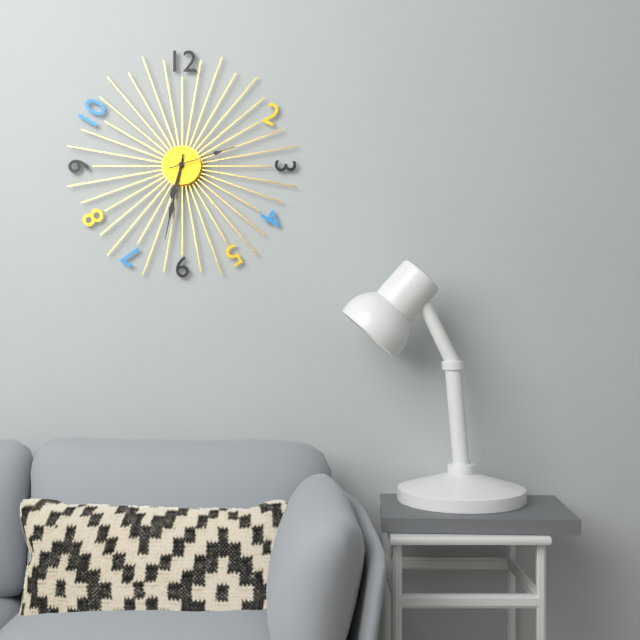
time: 6:32:12
